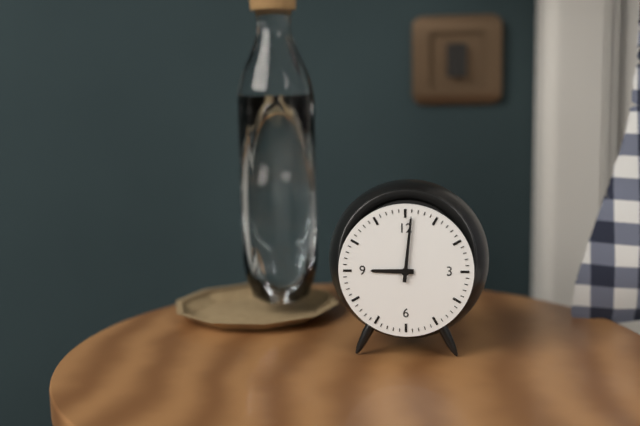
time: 9:01
